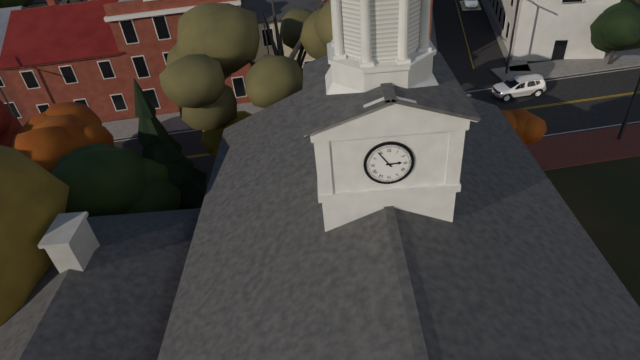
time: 2:54
